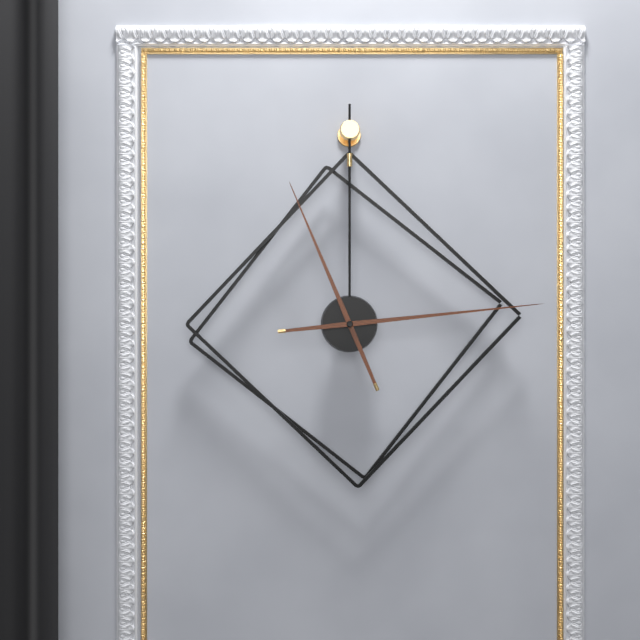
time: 11:14
